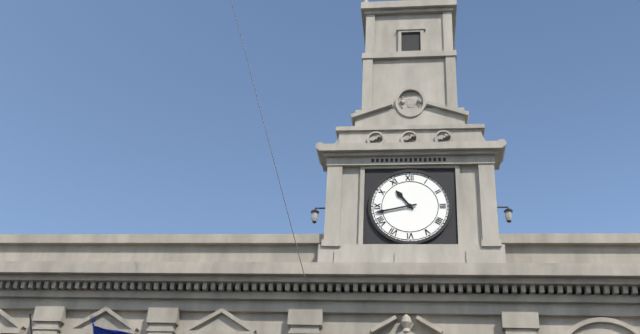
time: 10:43
